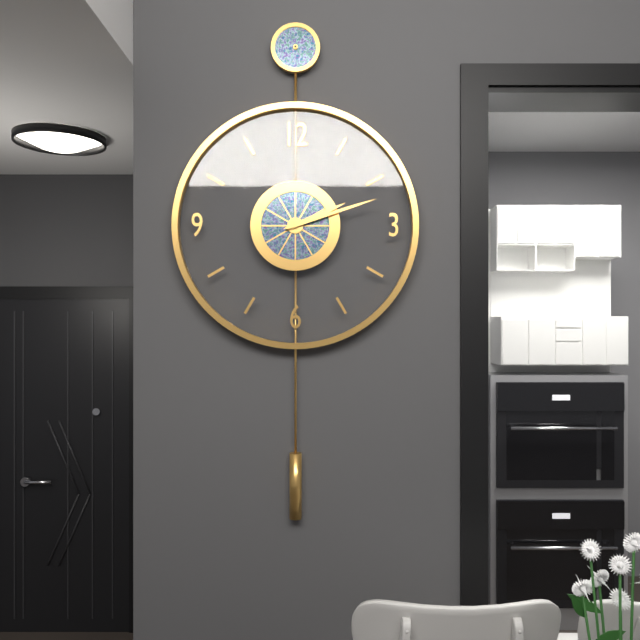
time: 2:12
